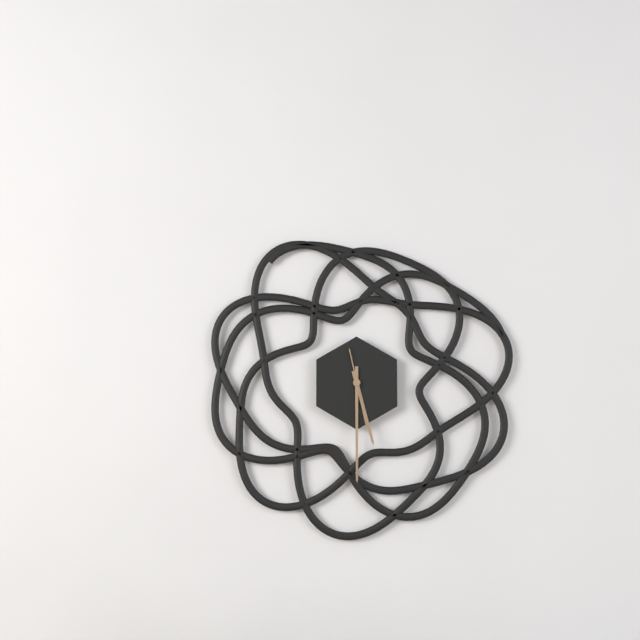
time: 5:30:28
